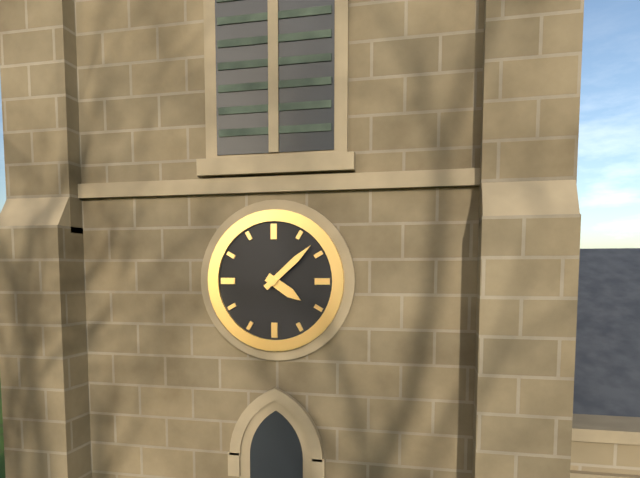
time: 4:08
